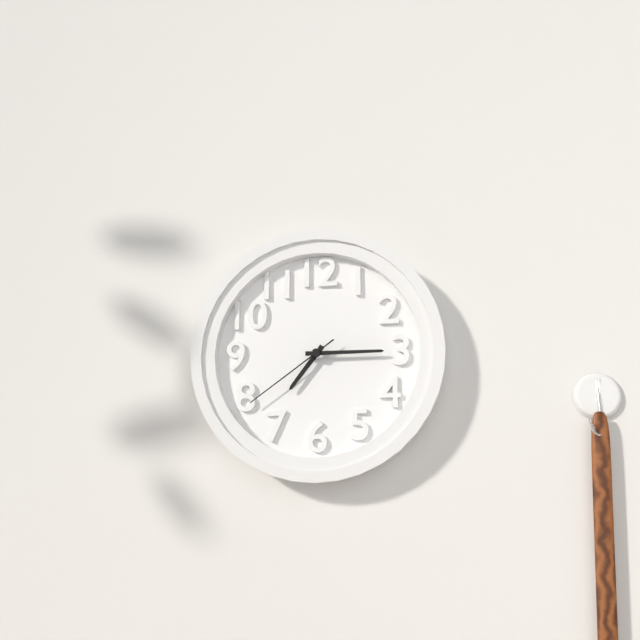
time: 7:15:39
